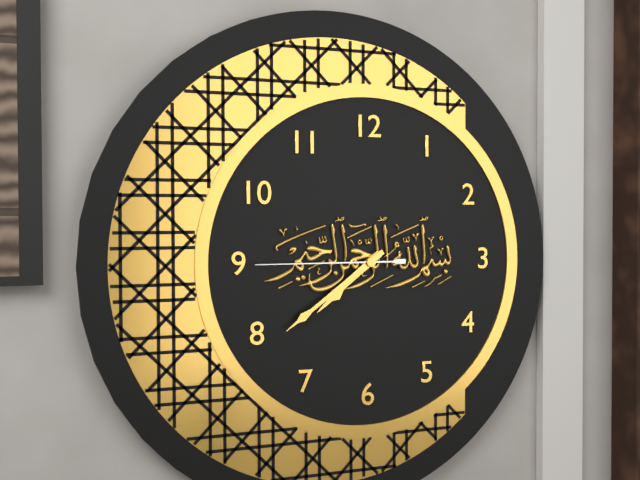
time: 7:39:45
